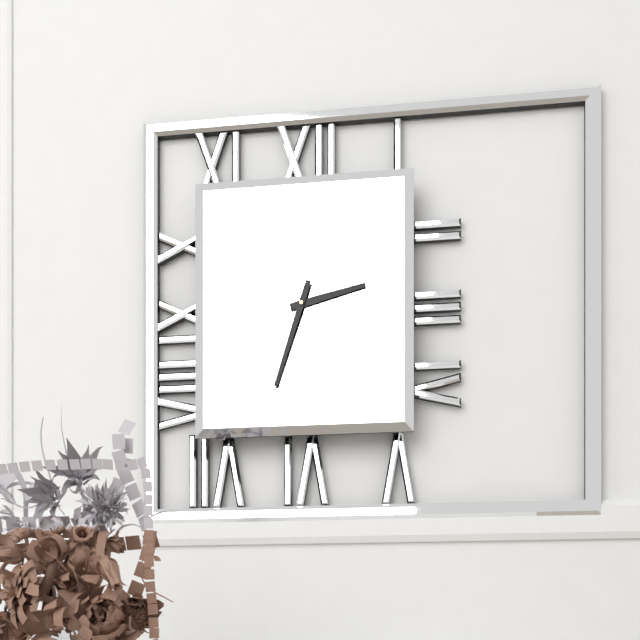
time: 2:33
